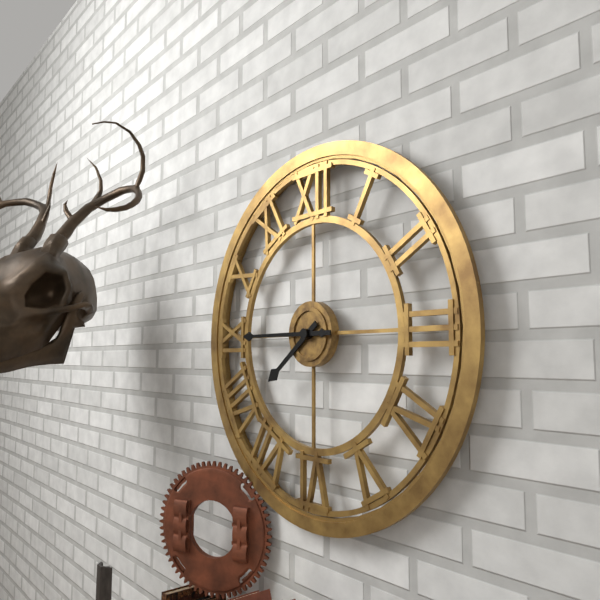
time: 7:45
